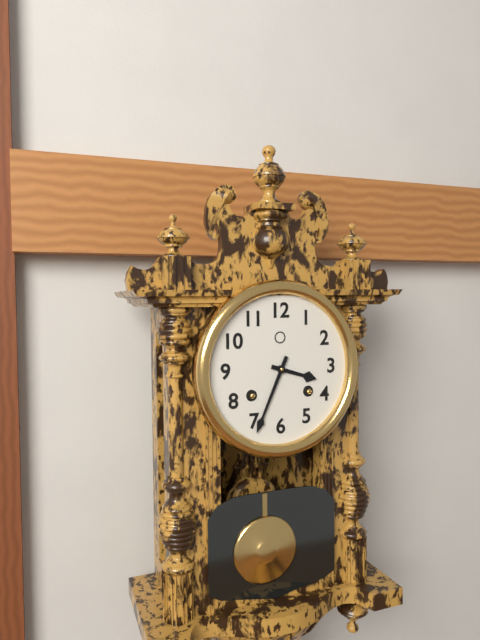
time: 3:34
